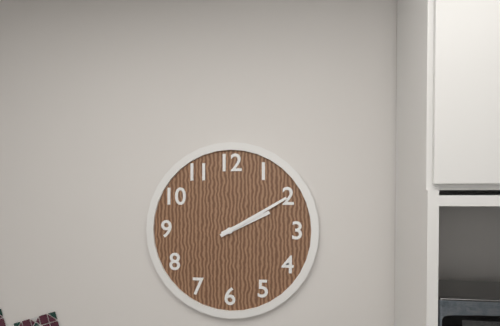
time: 2:10
